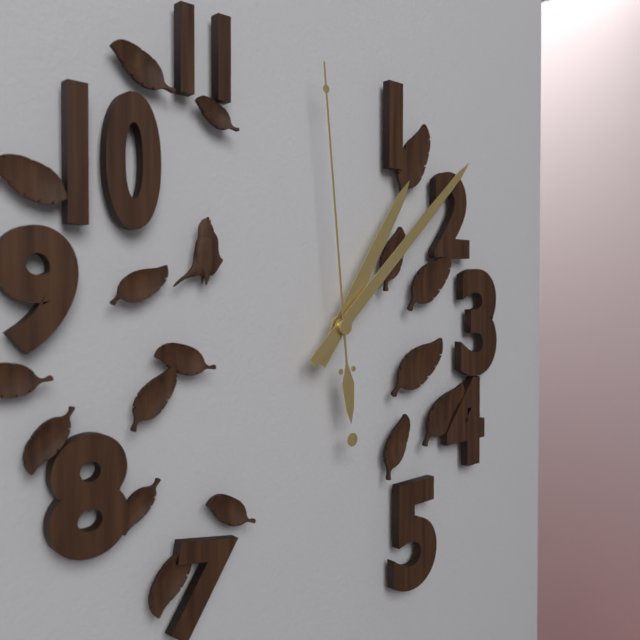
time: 1:08:59
